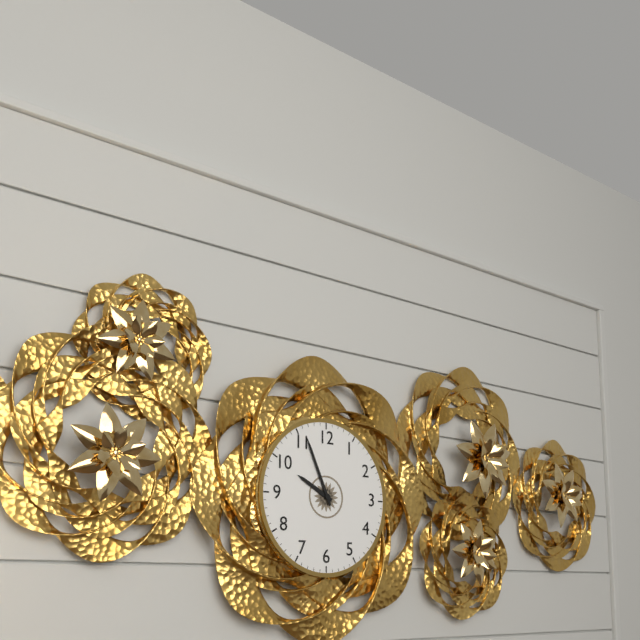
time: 9:56
